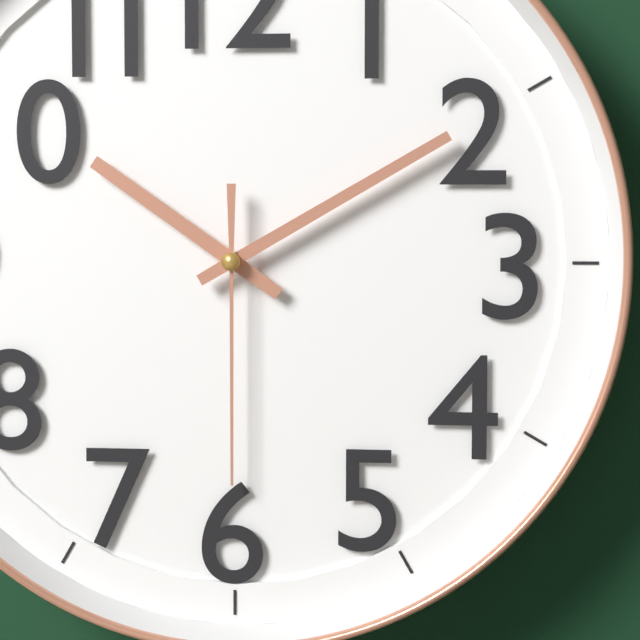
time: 10:10:30
